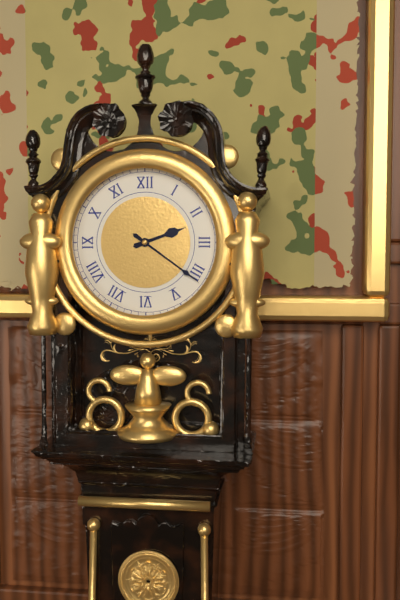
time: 2:21
